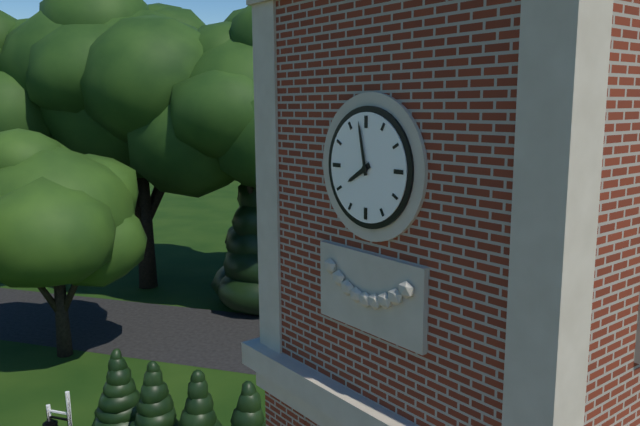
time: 7:58
